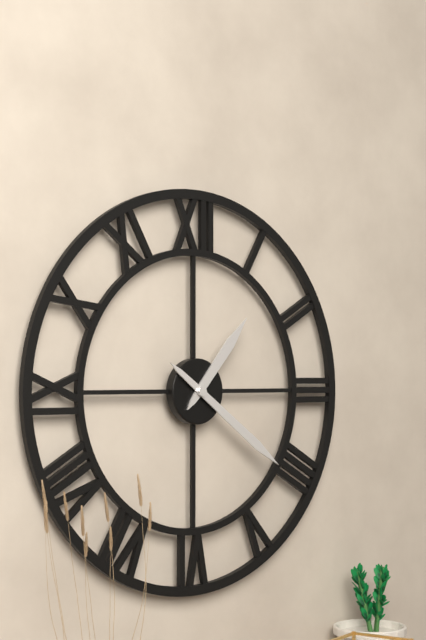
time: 1:21
